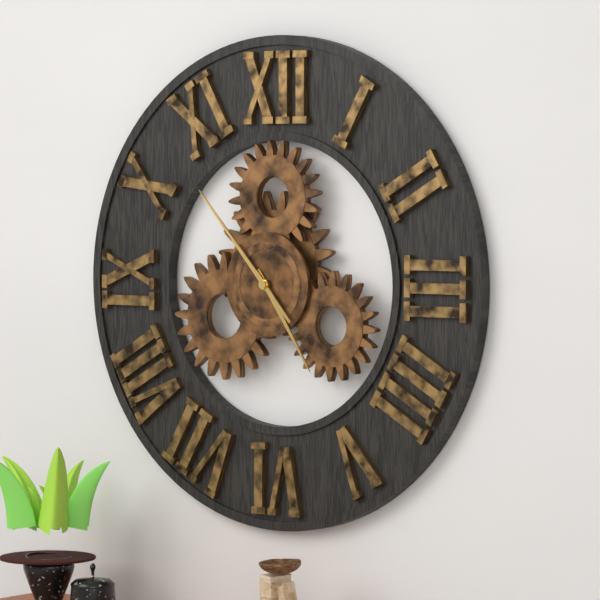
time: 4:53
